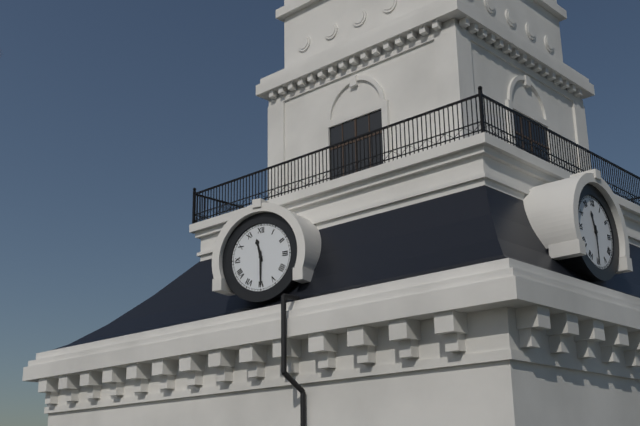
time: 11:30
